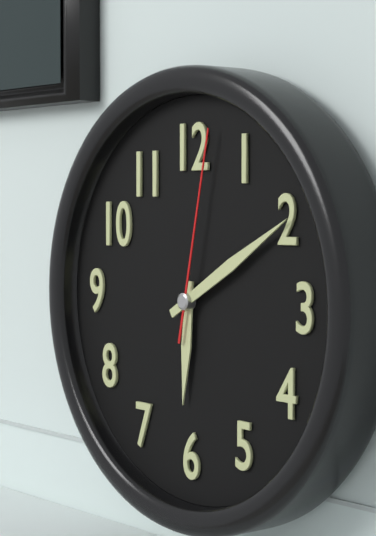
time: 6:10:02
